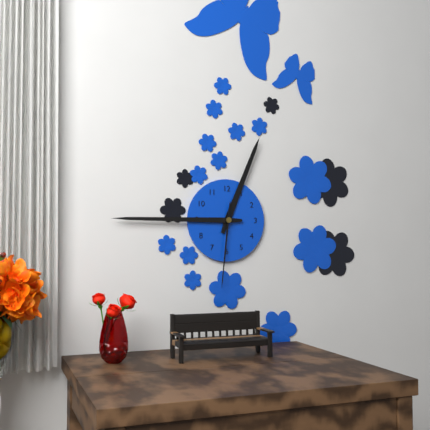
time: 12:45:31
